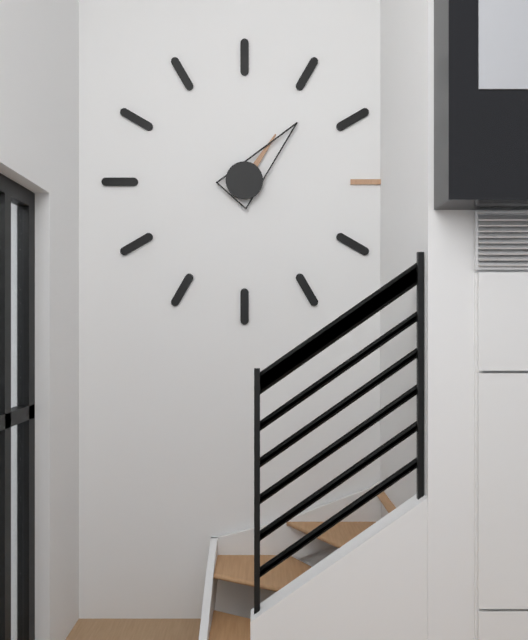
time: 1:07
